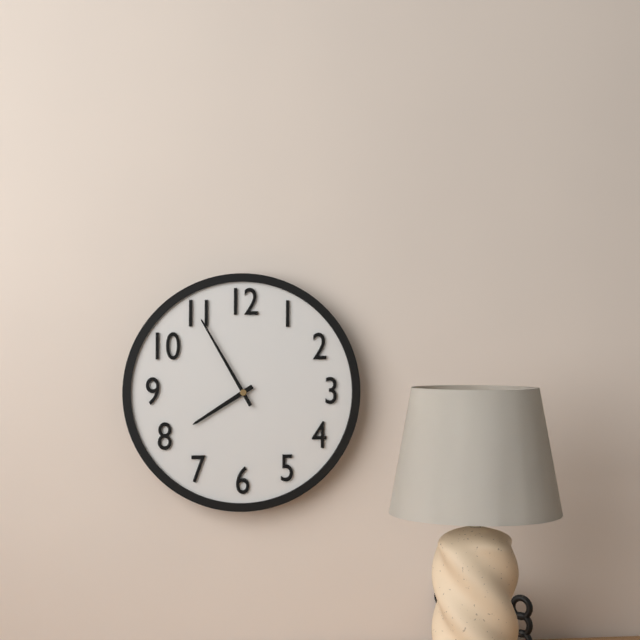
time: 7:55
